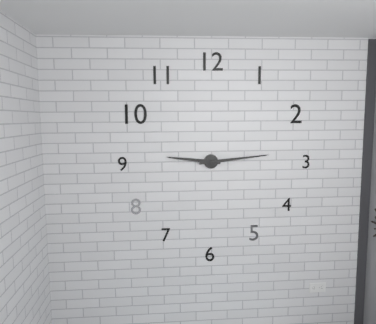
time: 9:14
